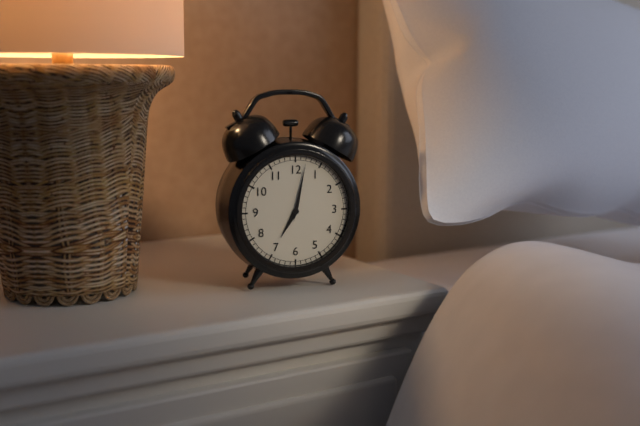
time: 7:02
